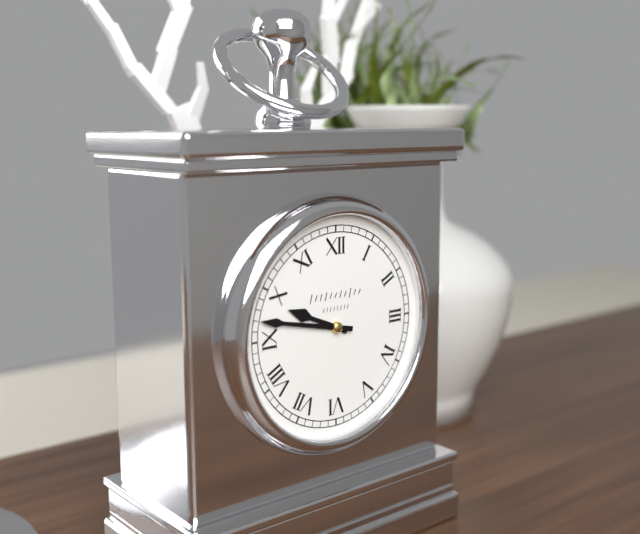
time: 9:47
